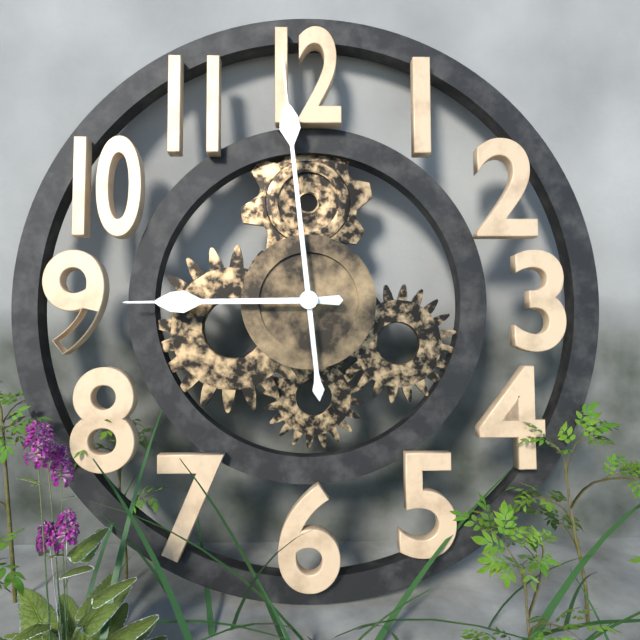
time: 8:59
